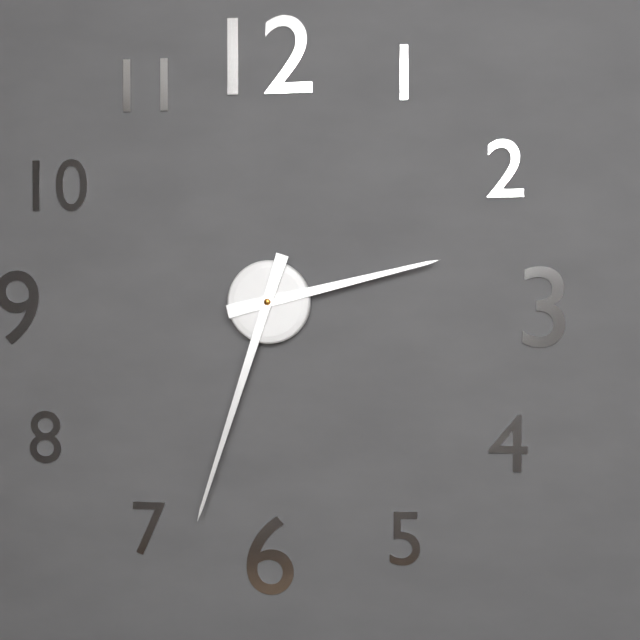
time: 2:33
